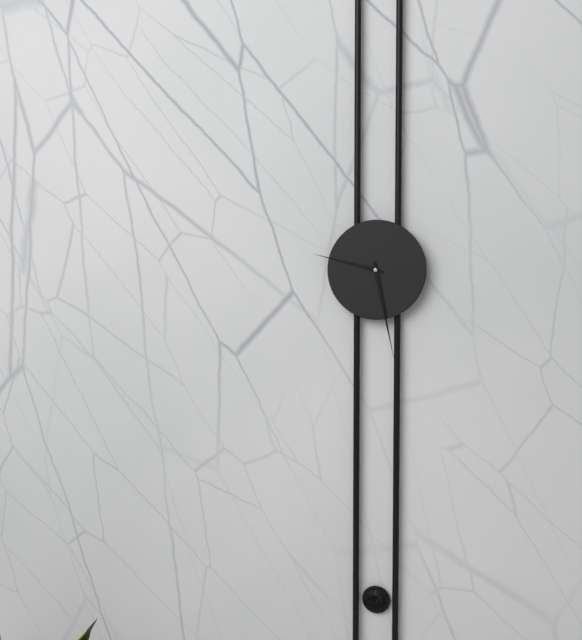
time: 9:28
